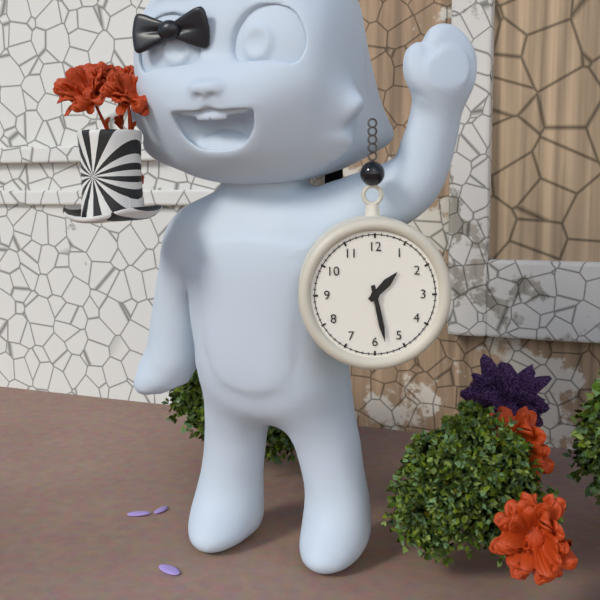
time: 1:28
